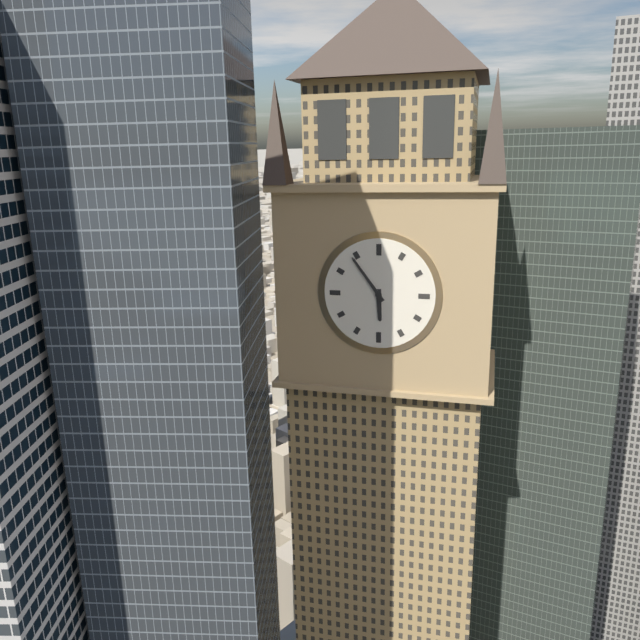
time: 5:54
